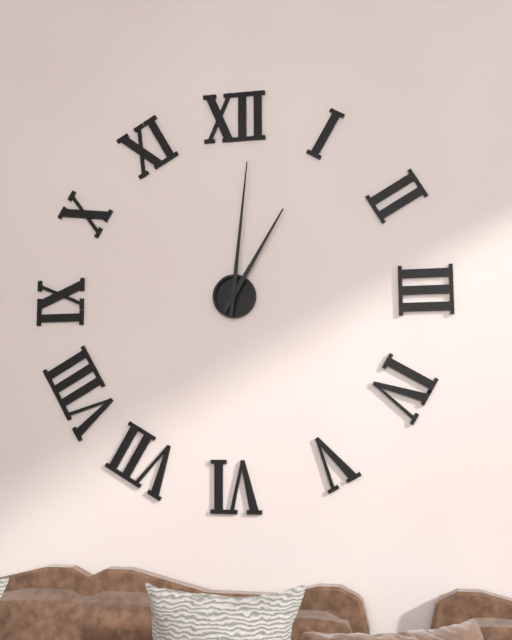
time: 1:01
